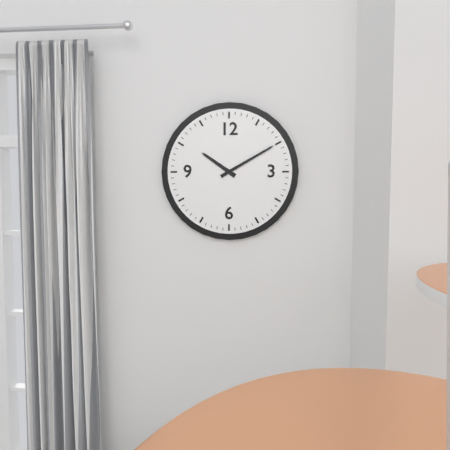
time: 10:10
